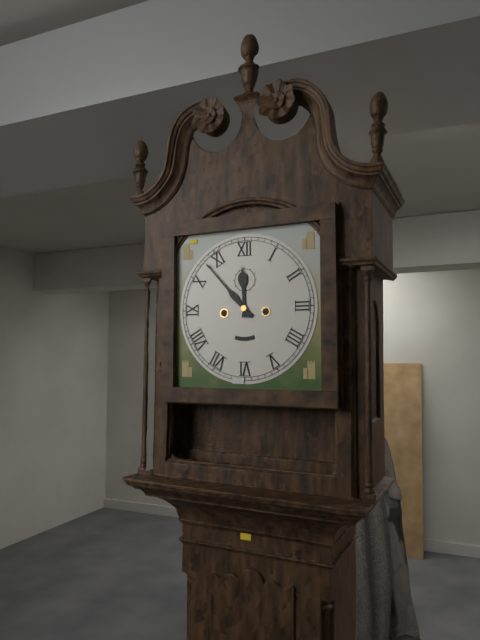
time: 11:53
